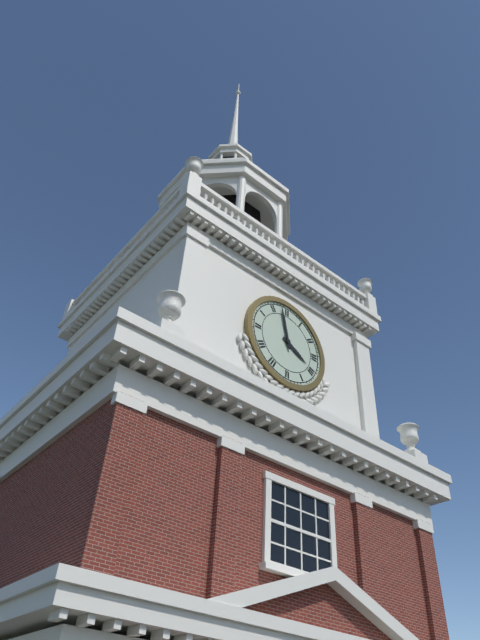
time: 3:58
